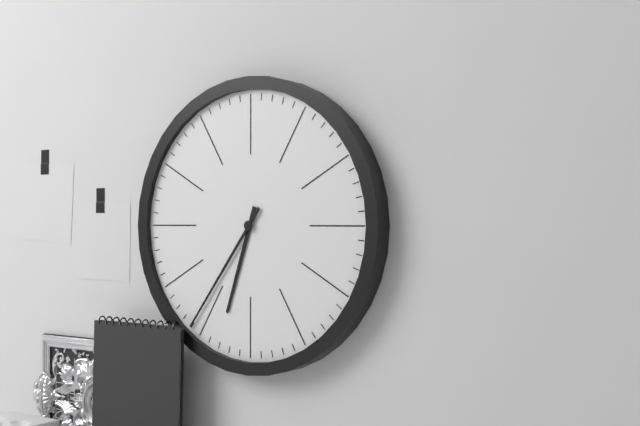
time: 6:36
